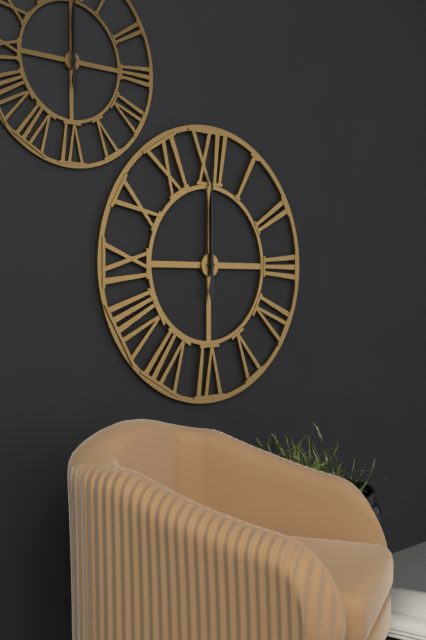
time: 12:00
